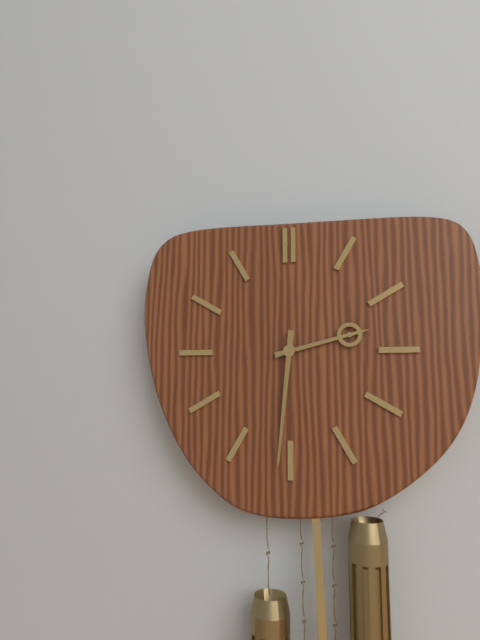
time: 2:31
